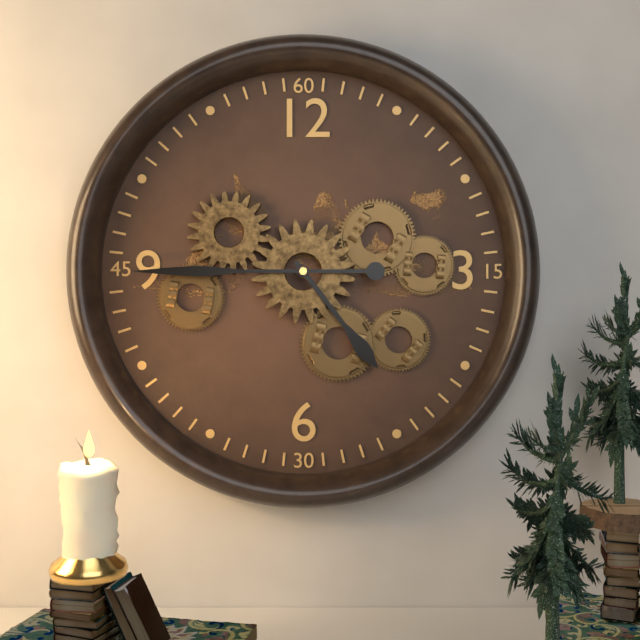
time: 4:45
